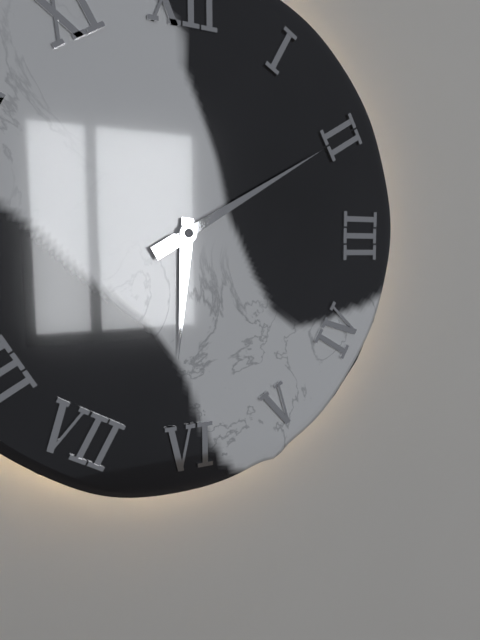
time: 6:10
